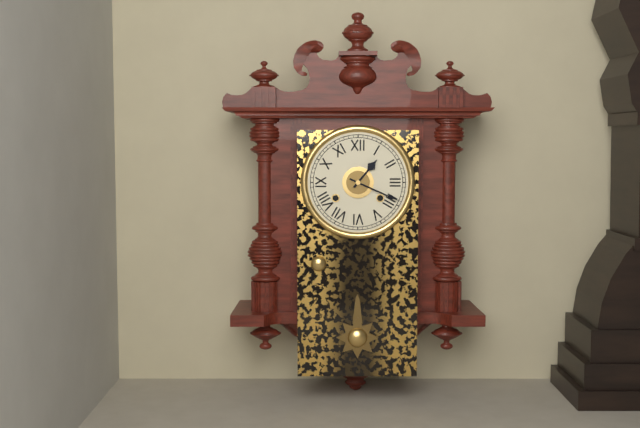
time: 1:19
